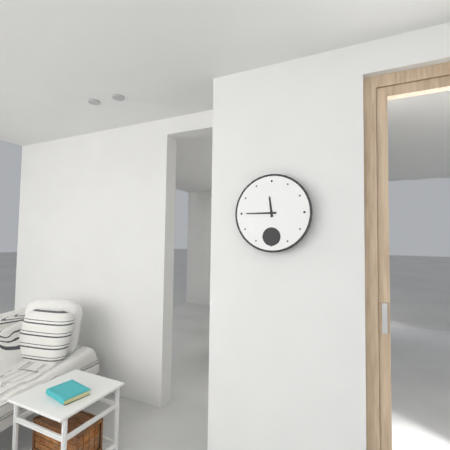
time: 11:45
